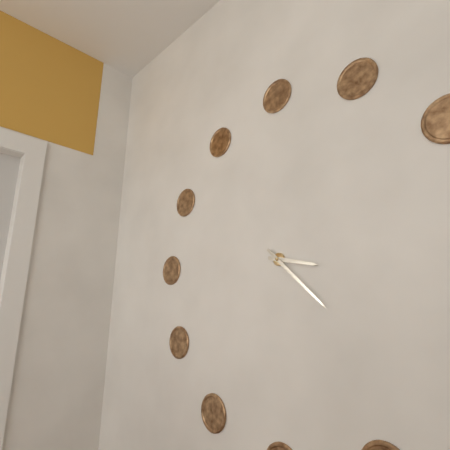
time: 3:22
